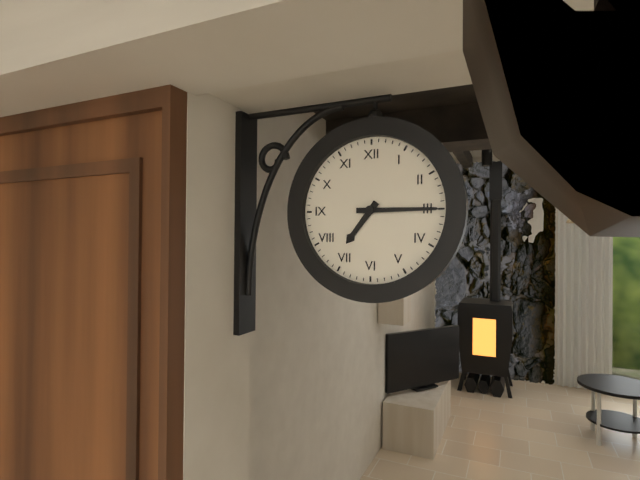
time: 7:15
